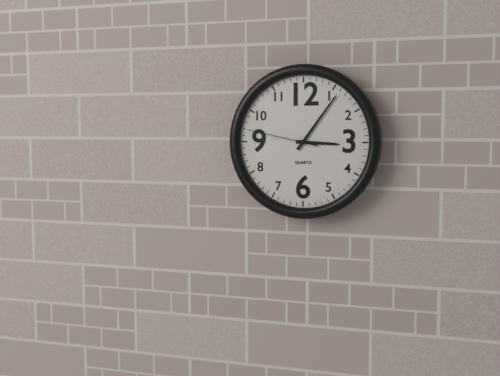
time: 3:06:47
